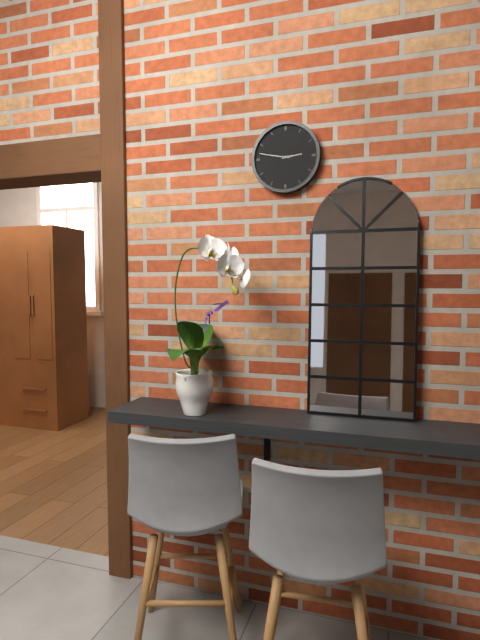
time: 2:47
